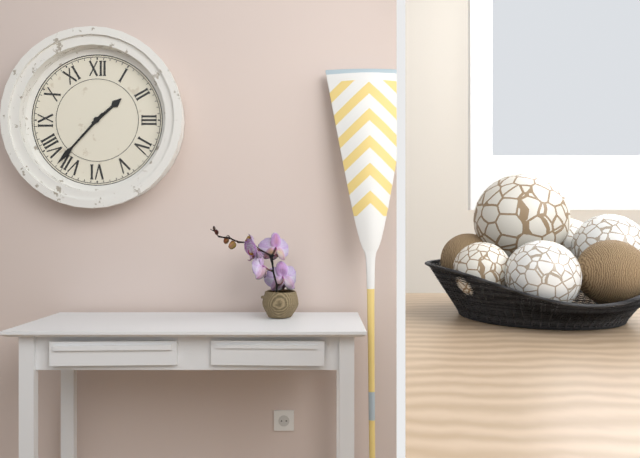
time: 1:37
